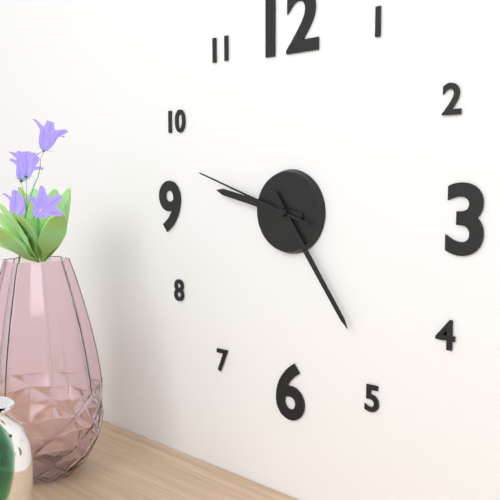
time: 9:24:48
